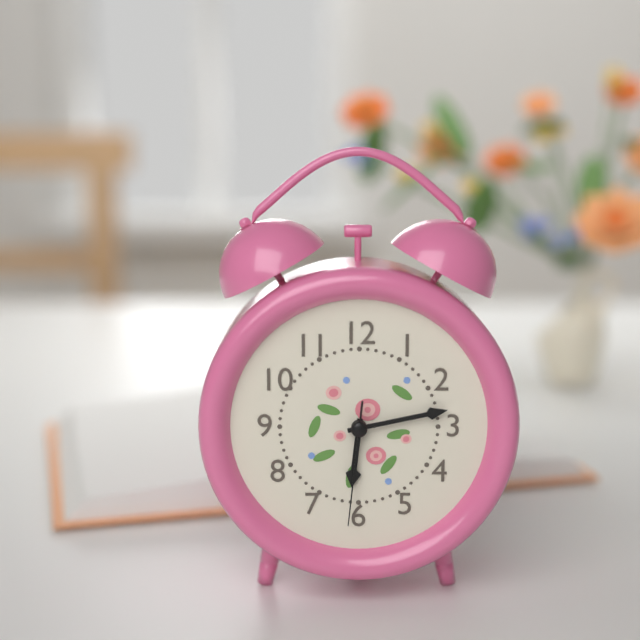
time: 6:13:31
